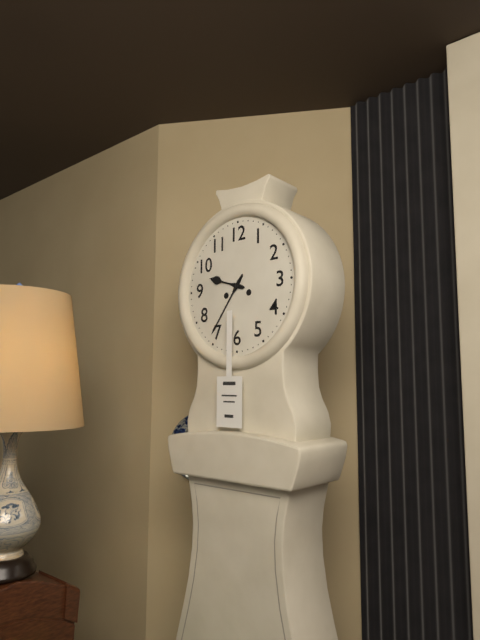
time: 9:36
